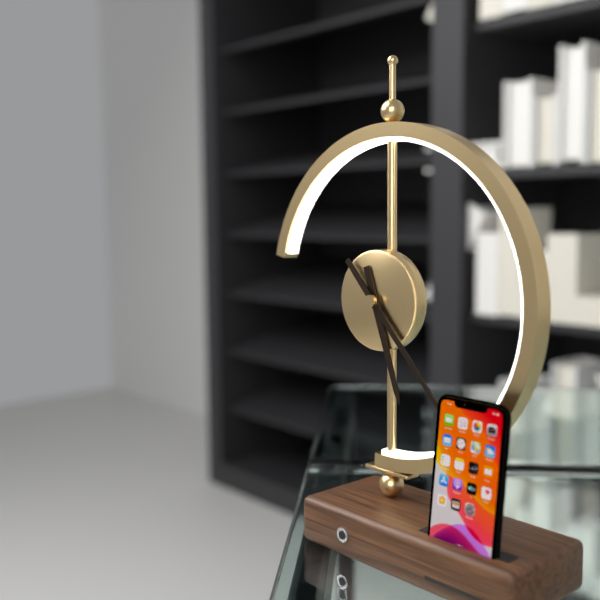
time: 5:23
